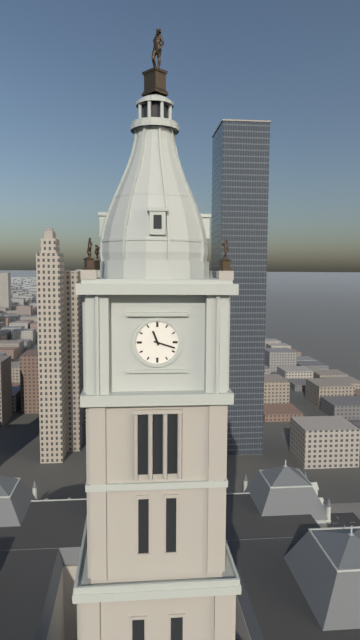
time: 11:18
